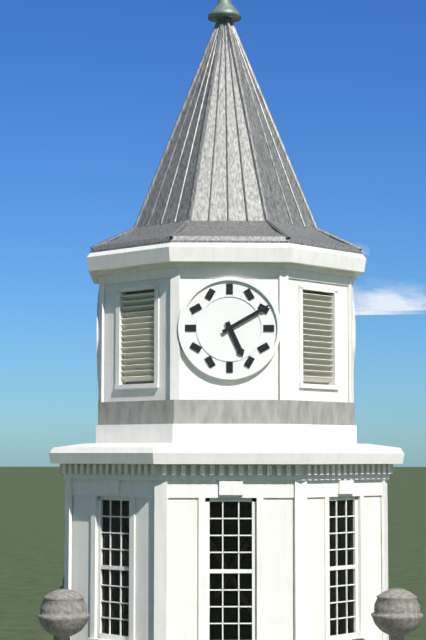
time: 5:10
